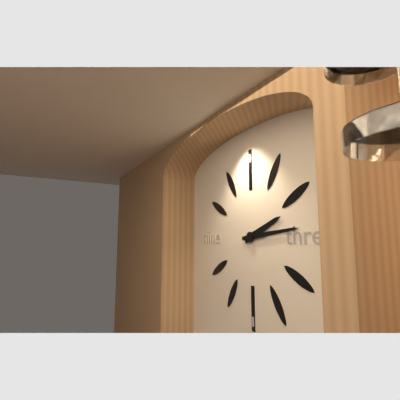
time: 2:14
